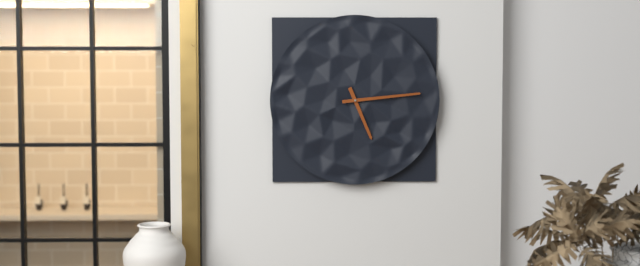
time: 5:14
